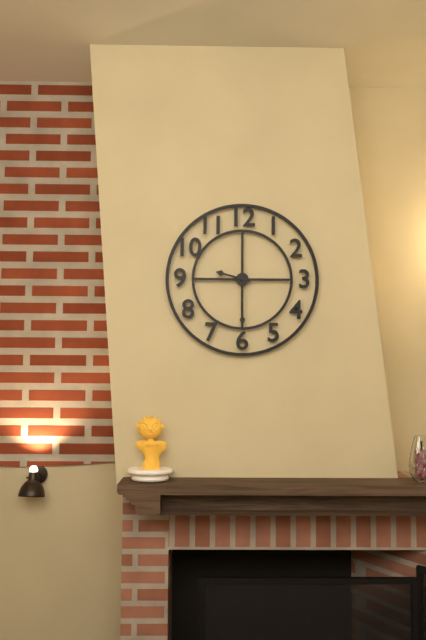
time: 9:30
